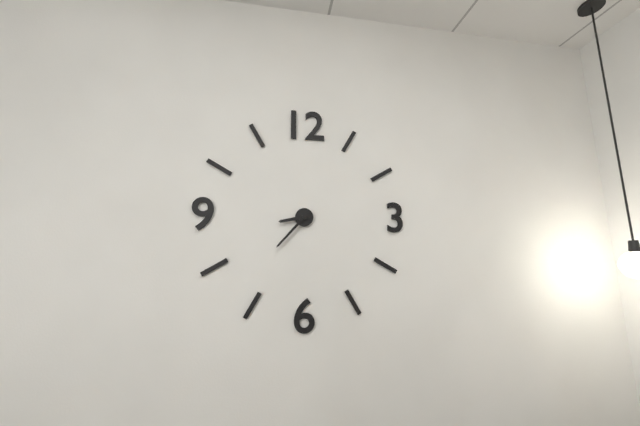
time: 8:37
